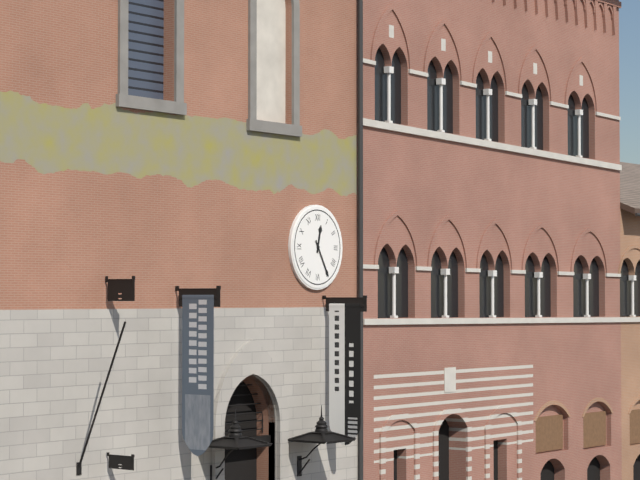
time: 12:25
